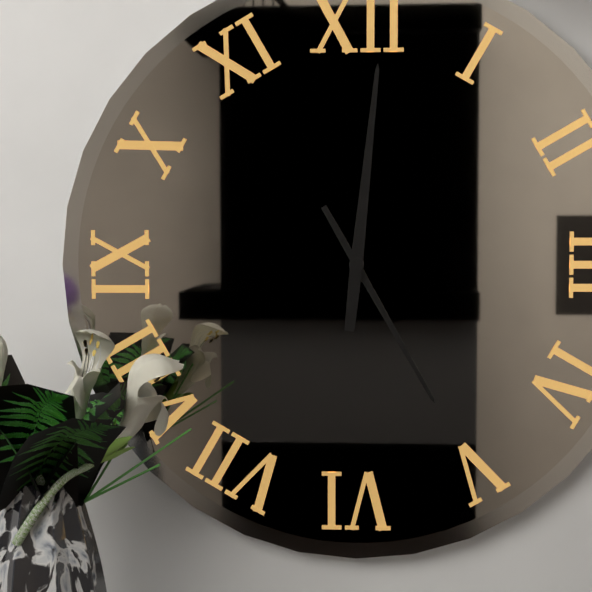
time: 5:01
